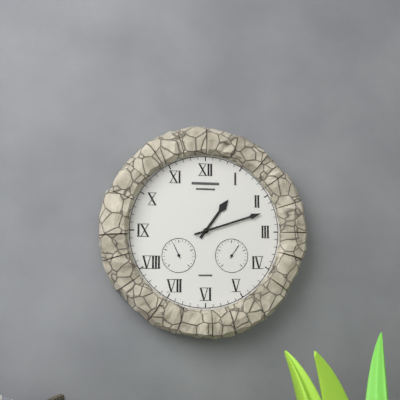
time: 1:12
